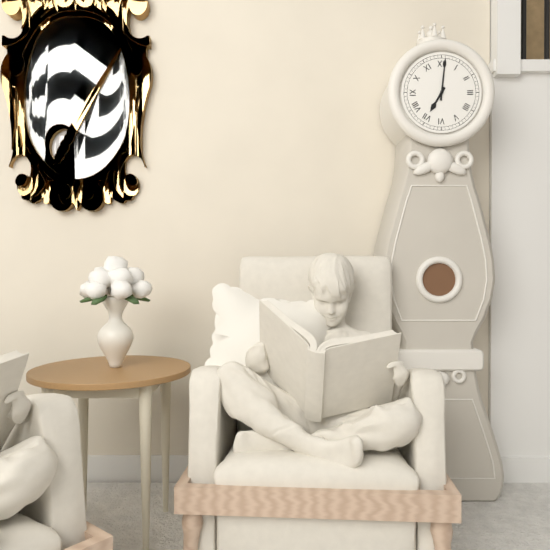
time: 7:01
